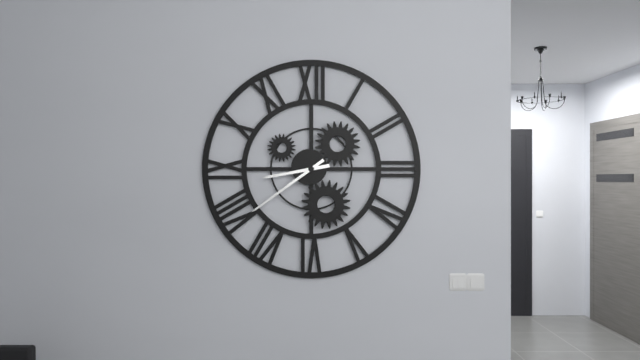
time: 8:39
